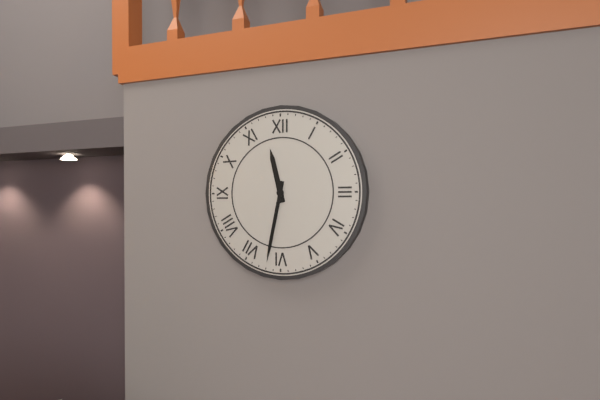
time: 11:32
